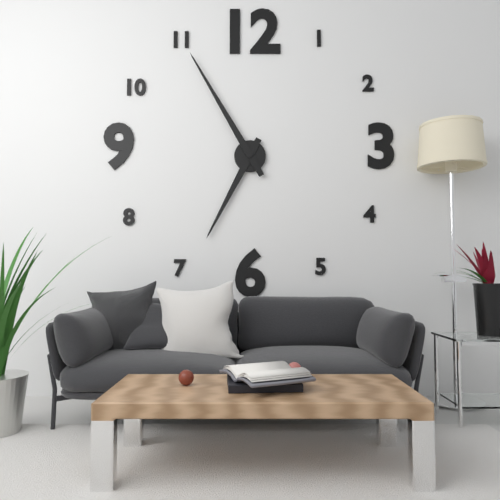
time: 6:55
